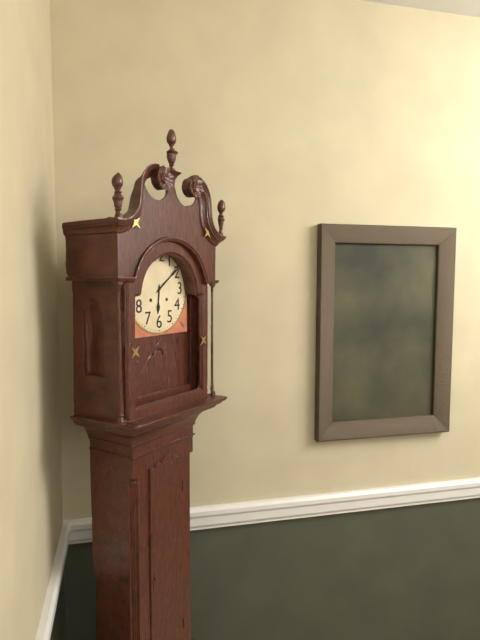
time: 6:09
